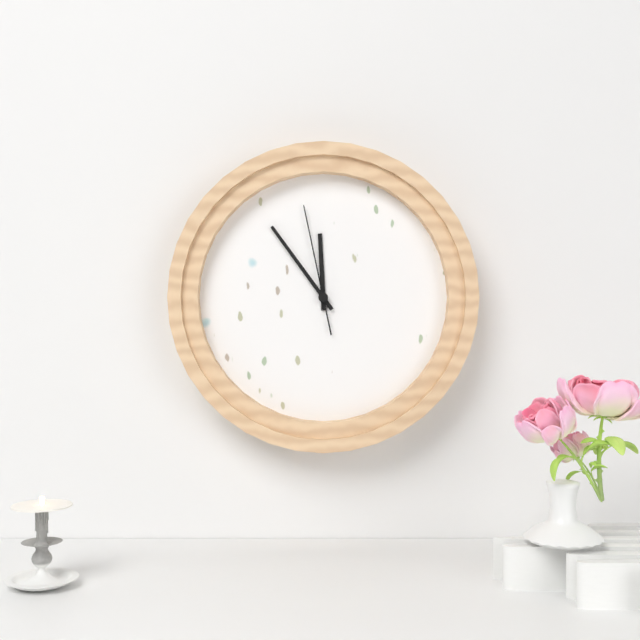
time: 11:54:58
